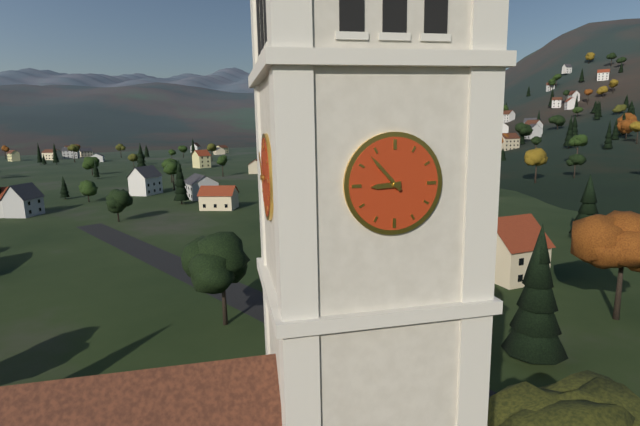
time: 8:53
